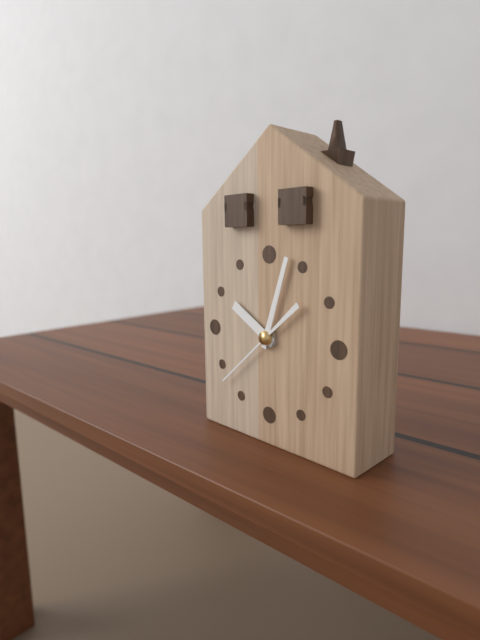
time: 10:03:38
